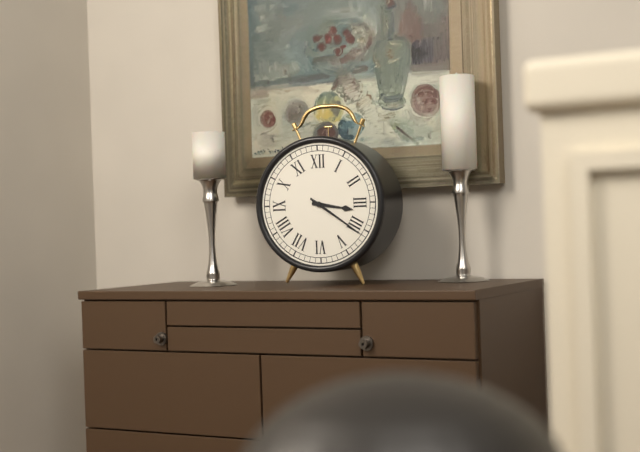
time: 3:21
